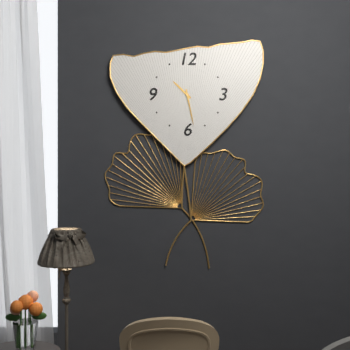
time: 10:28
